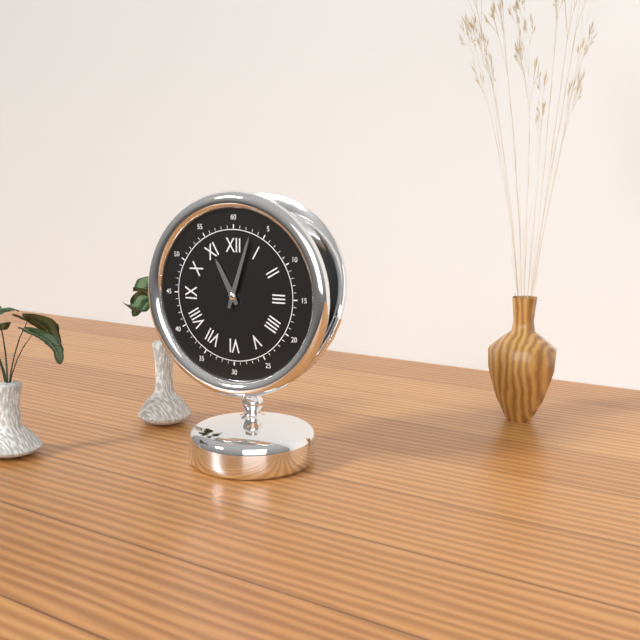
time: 11:03
